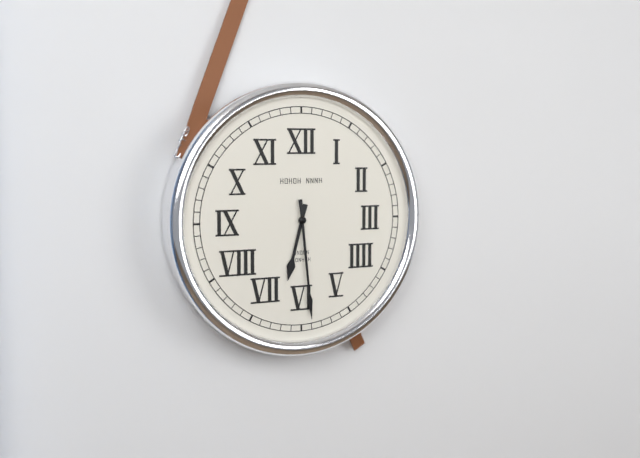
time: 6:29
